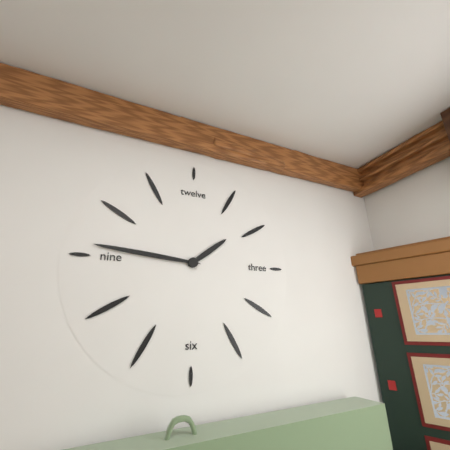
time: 1:46
